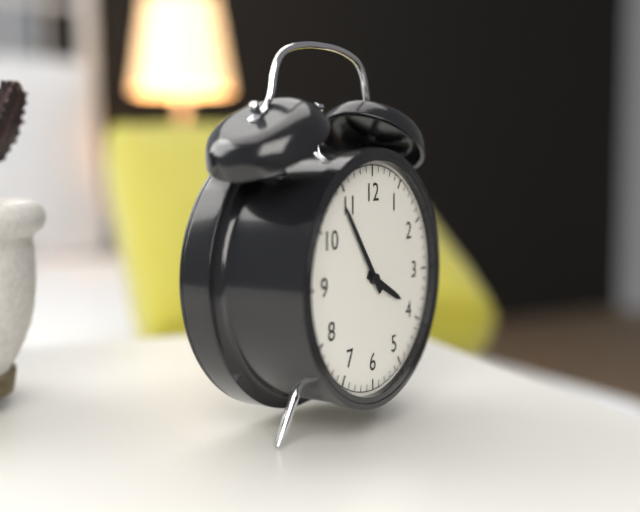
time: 3:54
